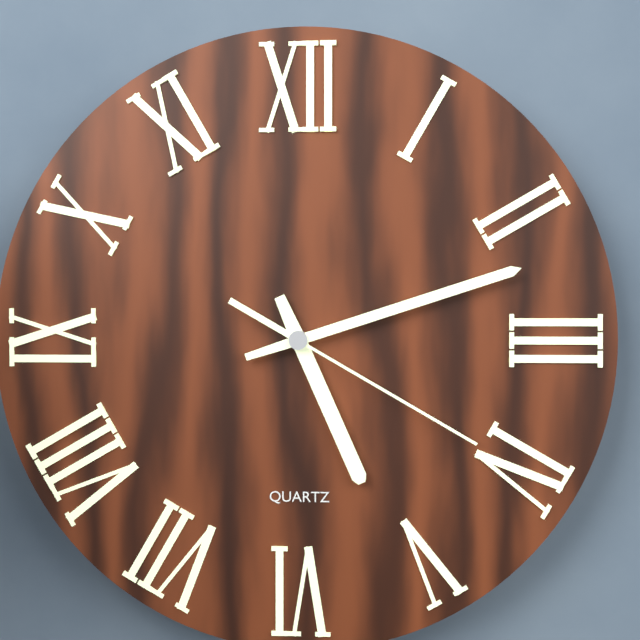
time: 5:12:20
